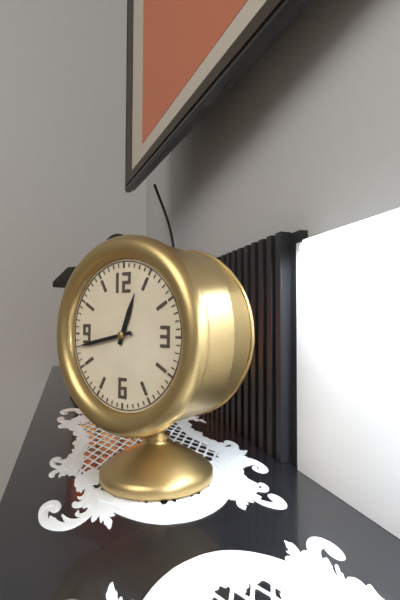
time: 12:43
